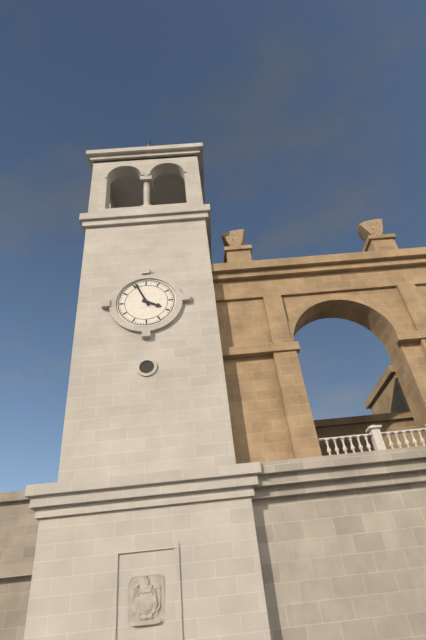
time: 3:56
